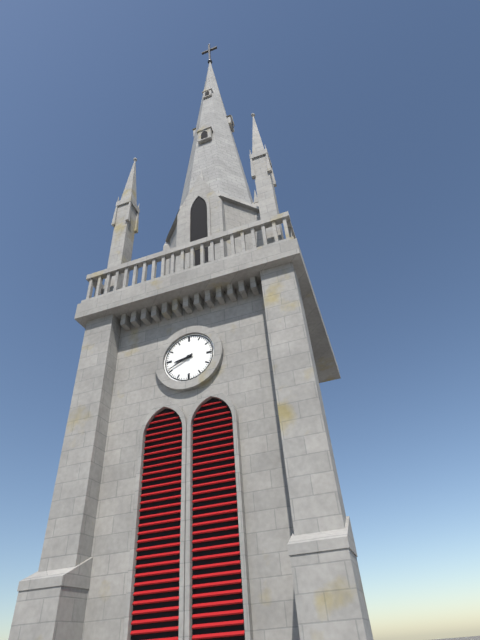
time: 8:41
